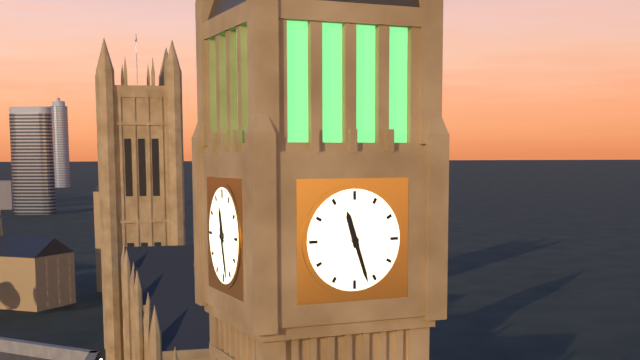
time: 11:27
